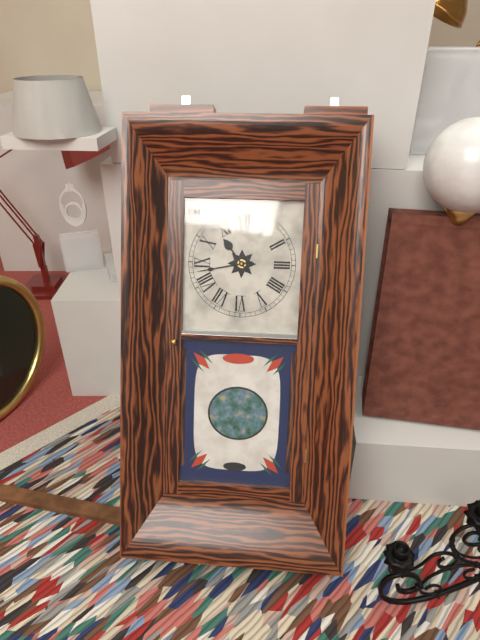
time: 10:43
